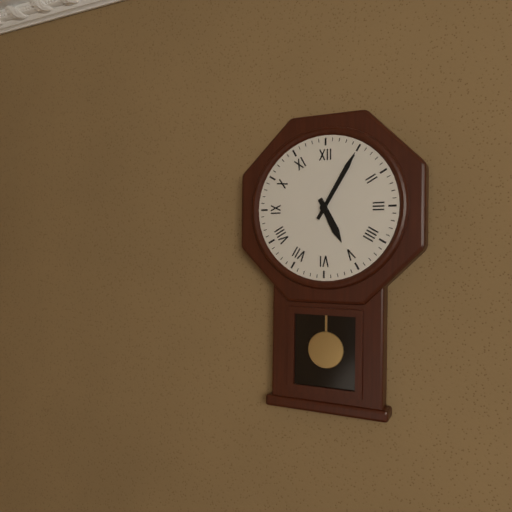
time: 5:05
